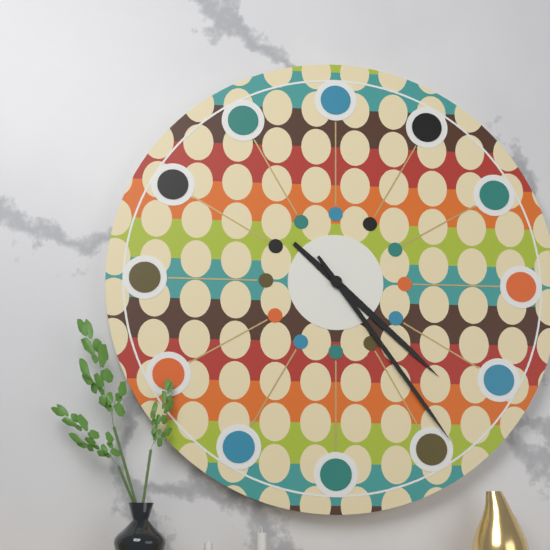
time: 4:24
